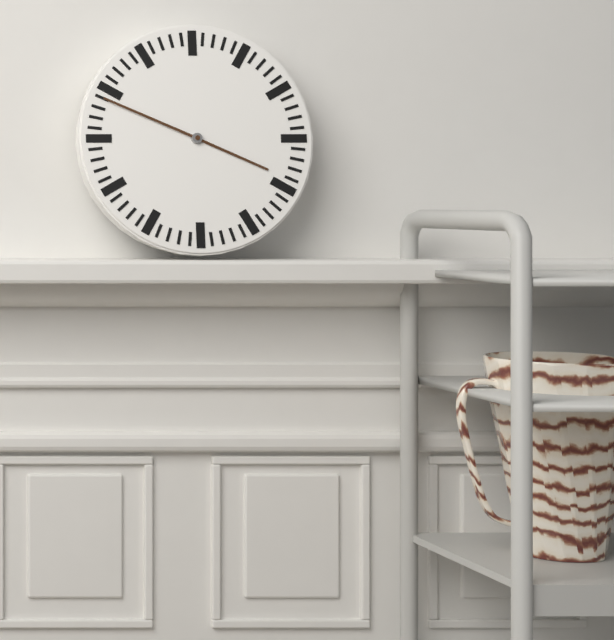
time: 3:49
